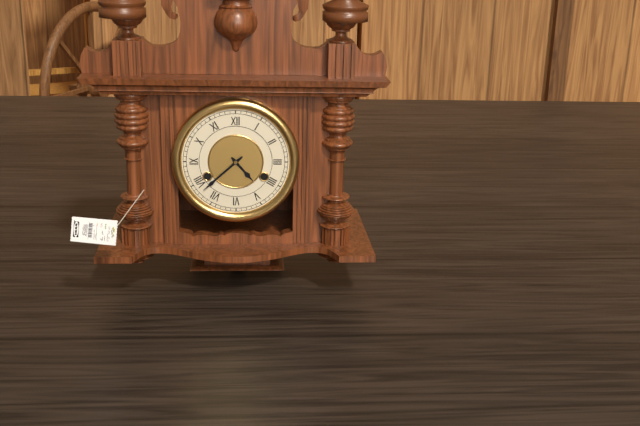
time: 4:38
